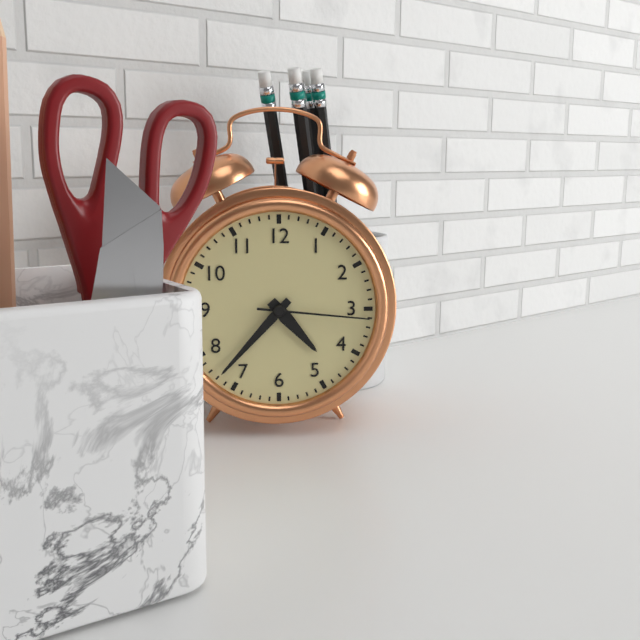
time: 4:37:16
